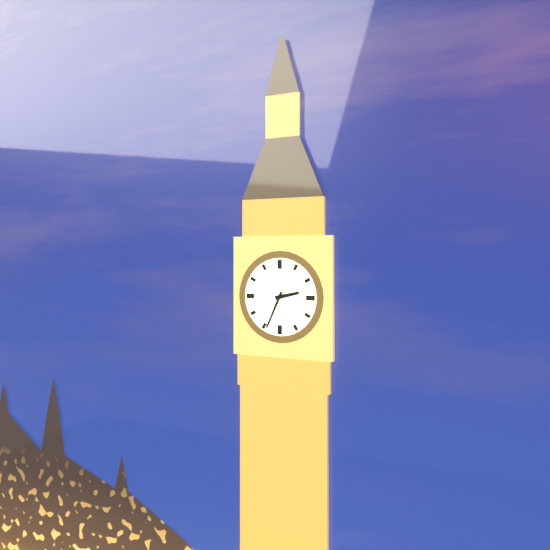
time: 2:34
